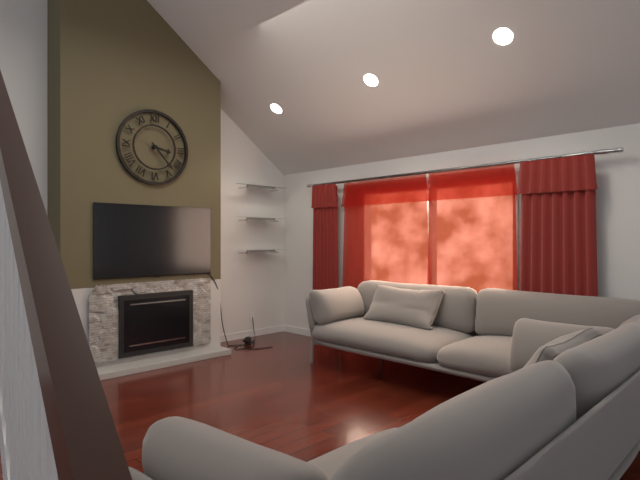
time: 3:23
